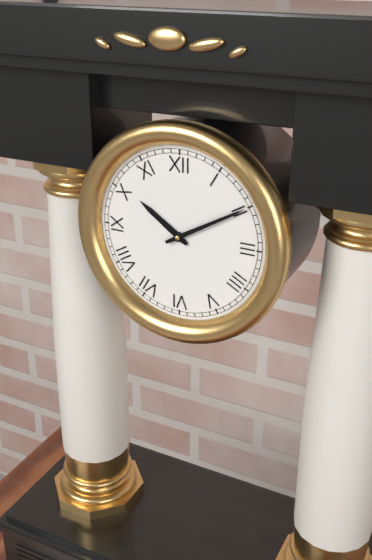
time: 10:10
